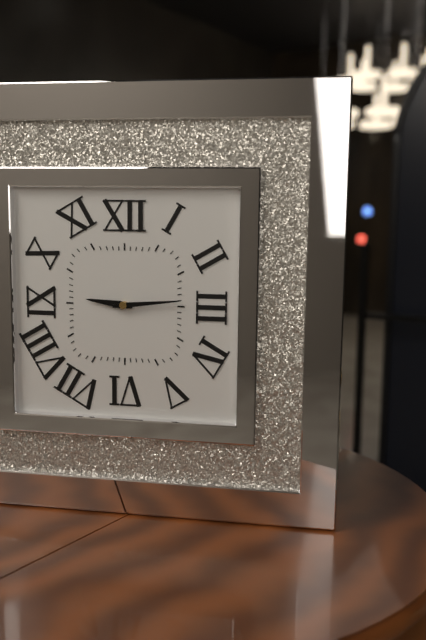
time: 9:14
